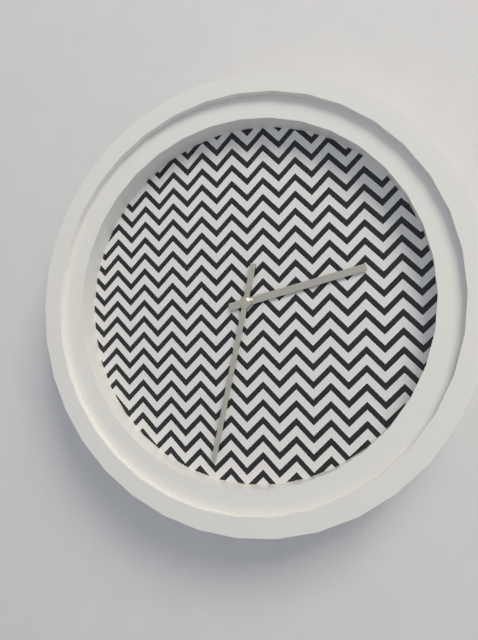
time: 2:32
